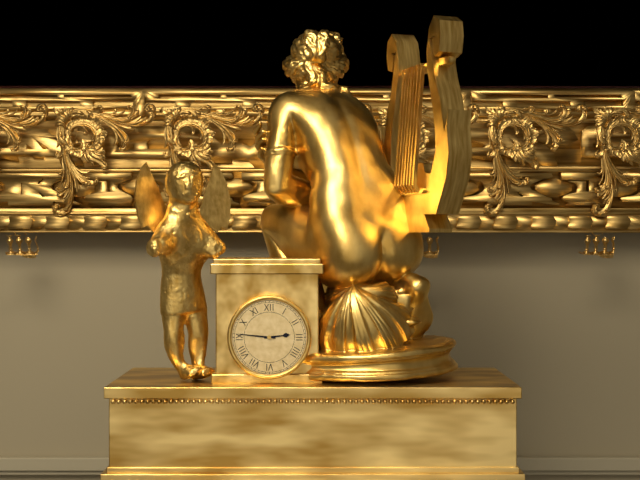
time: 2:46
